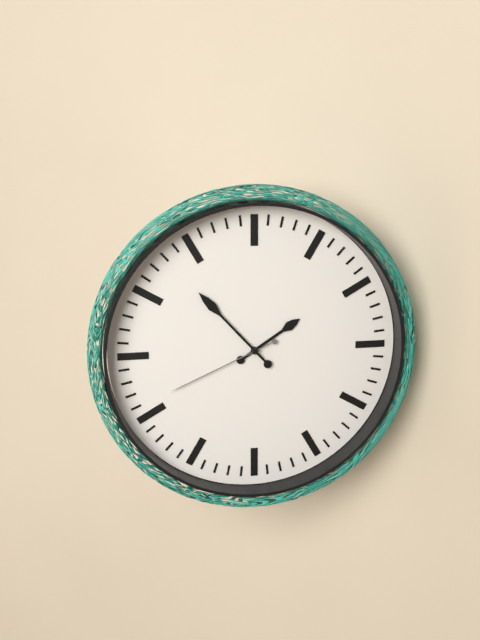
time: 1:53:41
